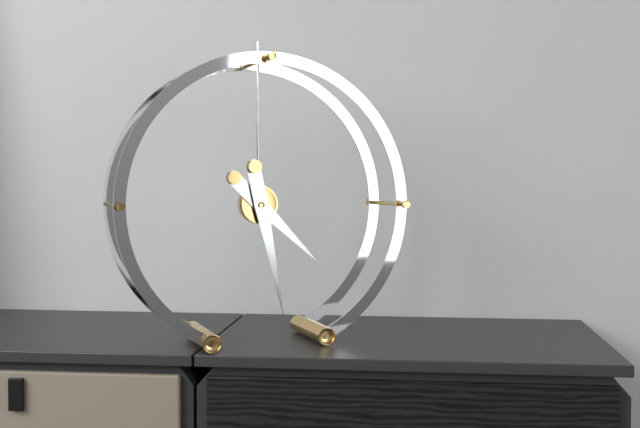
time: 4:28
